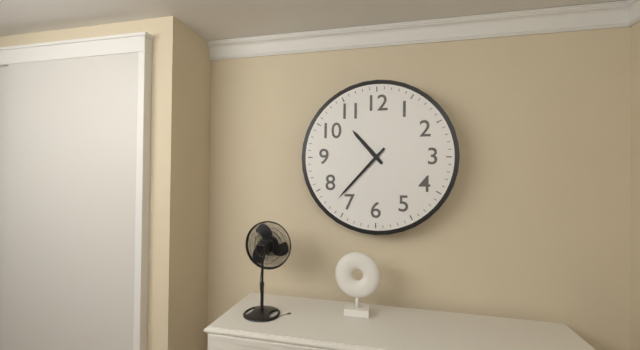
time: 10:37
